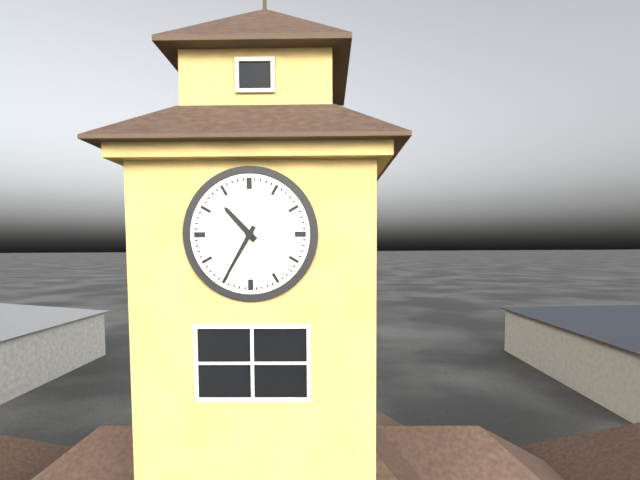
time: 10:35
